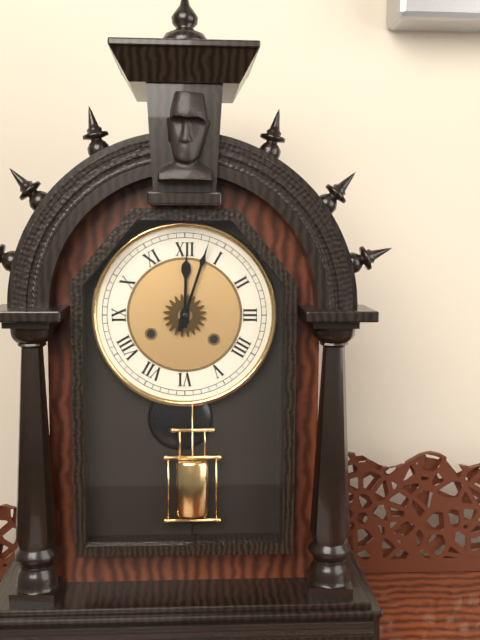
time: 12:03
